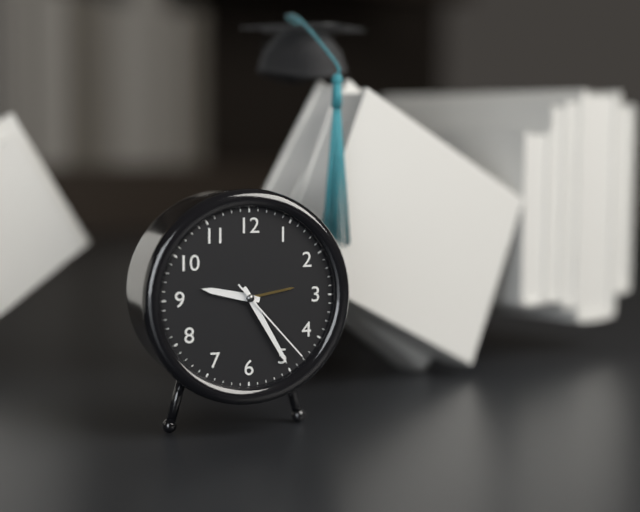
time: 9:25:23
